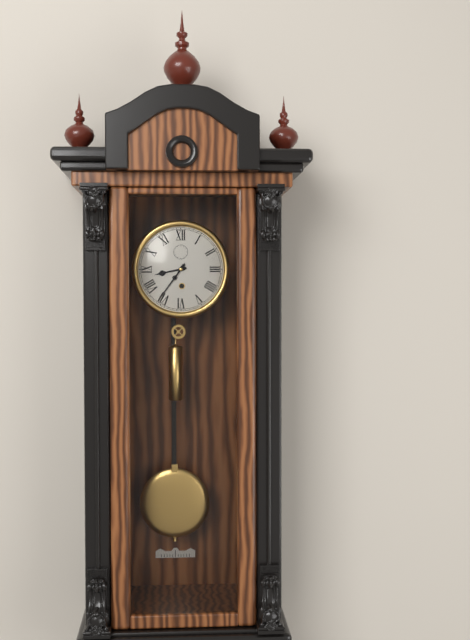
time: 8:36
